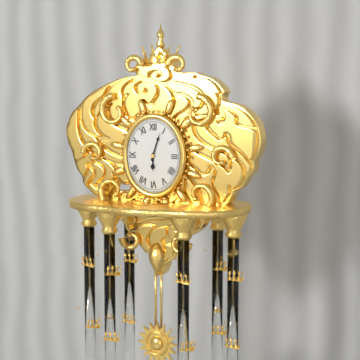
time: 6:03
